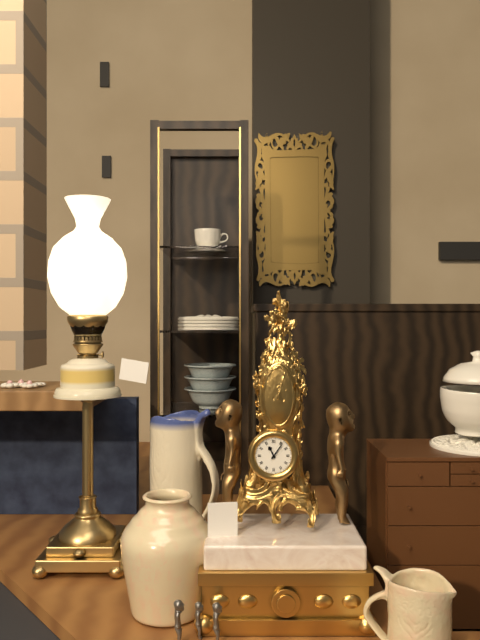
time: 11:06
